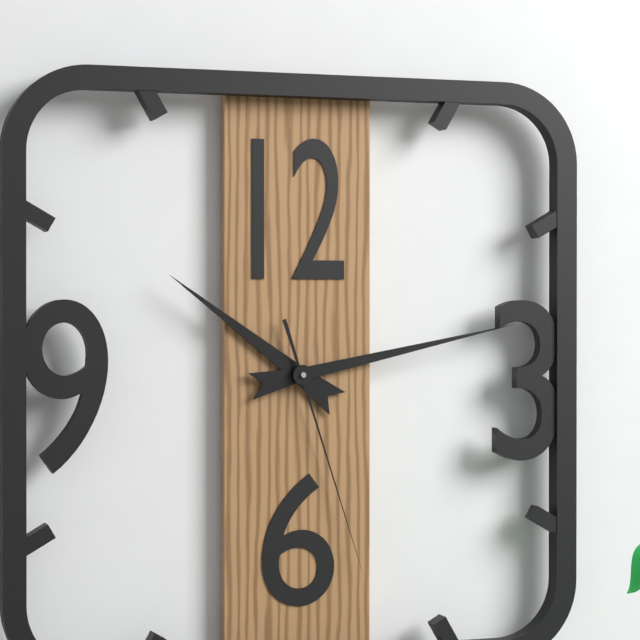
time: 10:13:27
